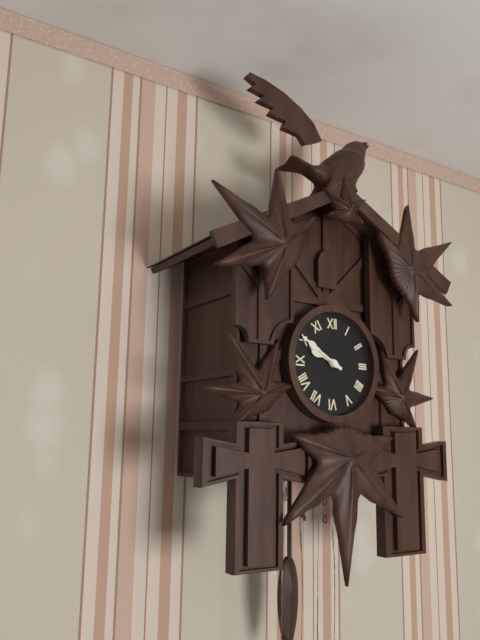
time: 9:50
